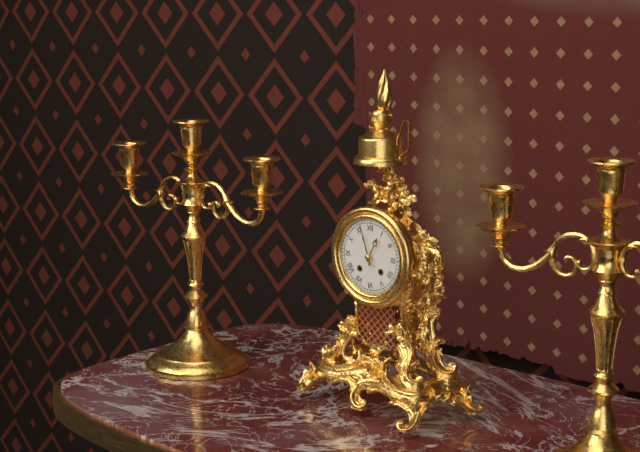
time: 12:57
